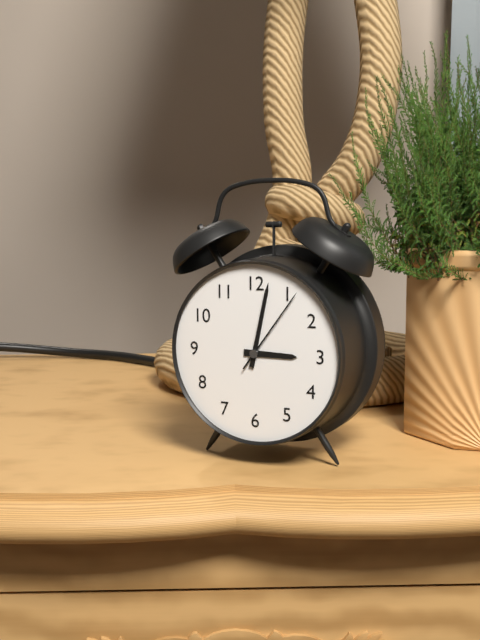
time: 3:02:06
